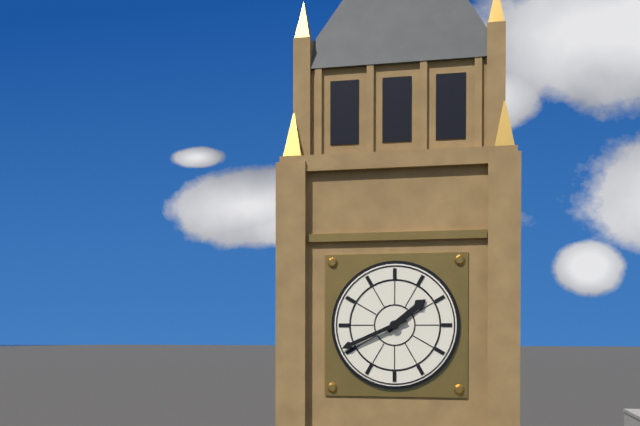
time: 1:41
